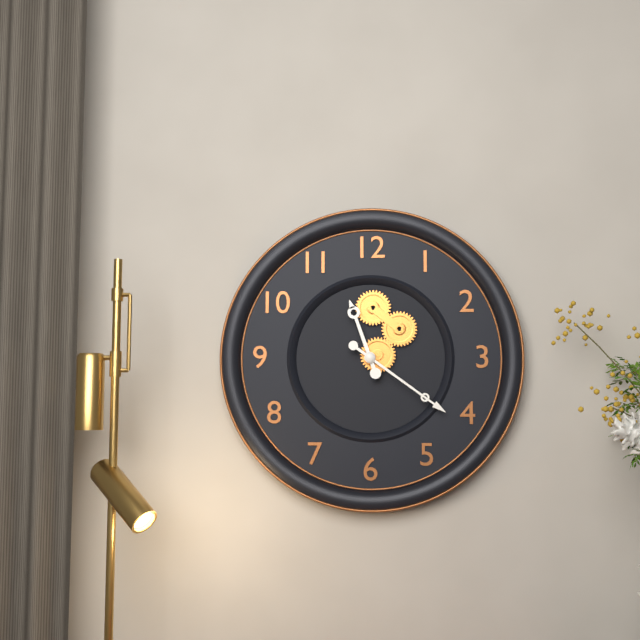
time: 11:21
